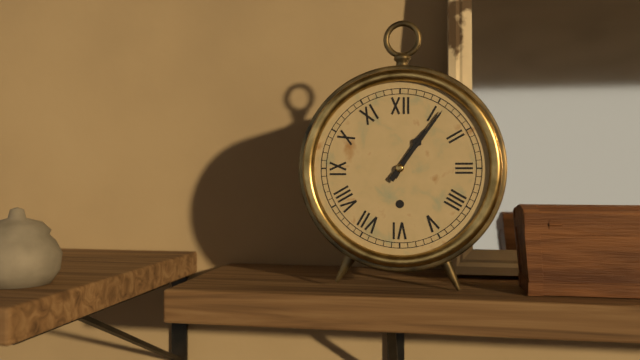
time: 1:06
